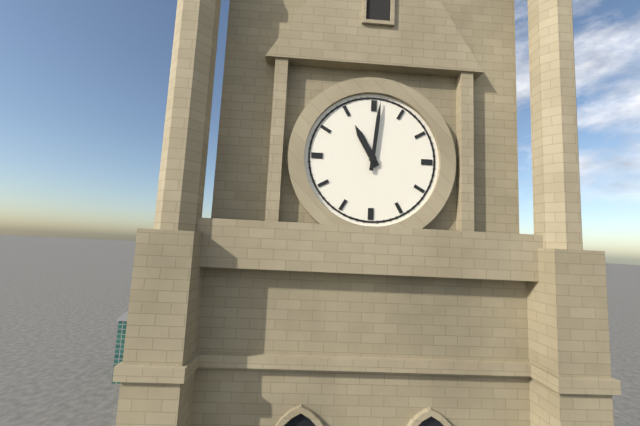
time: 11:01
